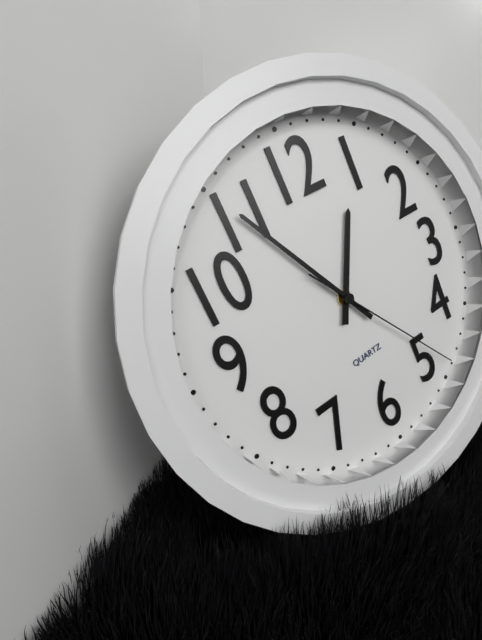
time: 12:55:24
